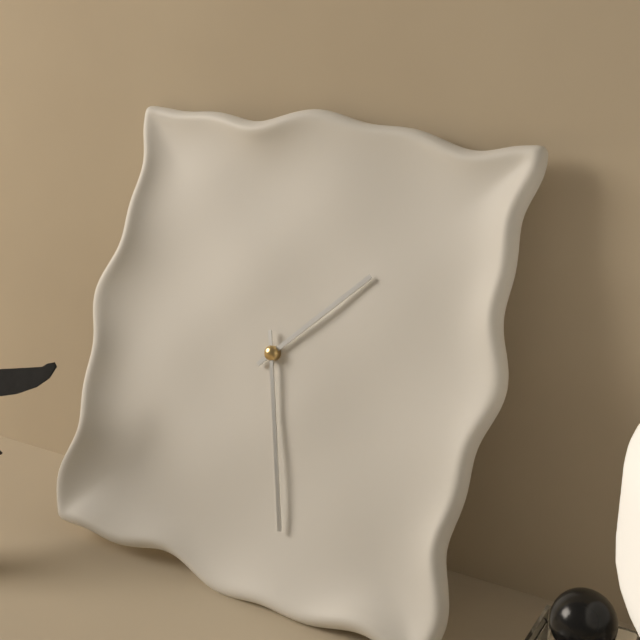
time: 1:27
